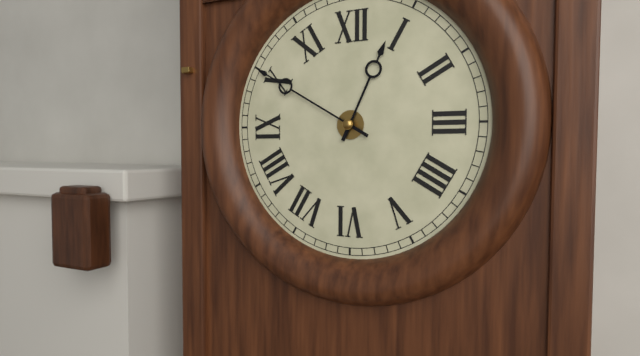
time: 12:50
